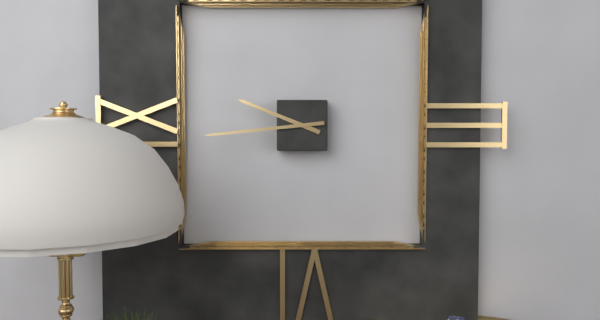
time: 9:44
